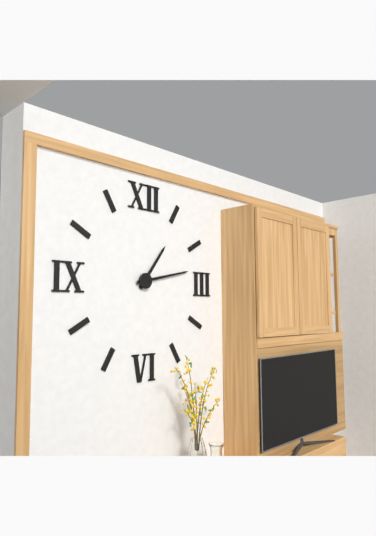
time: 1:13
